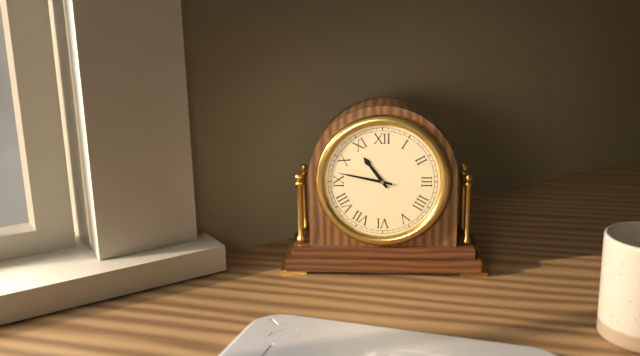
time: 10:47
